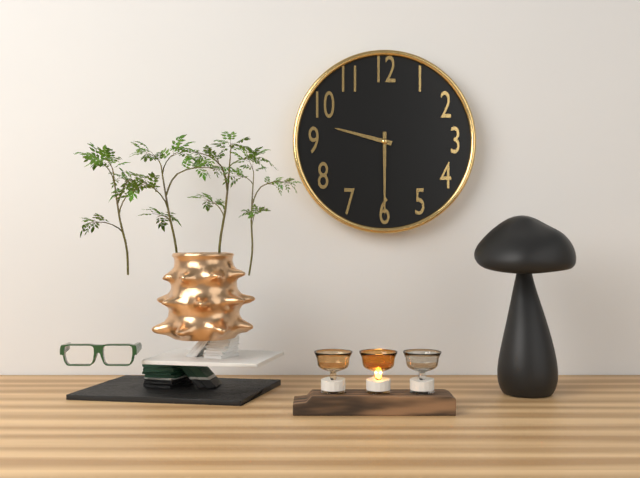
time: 9:30
